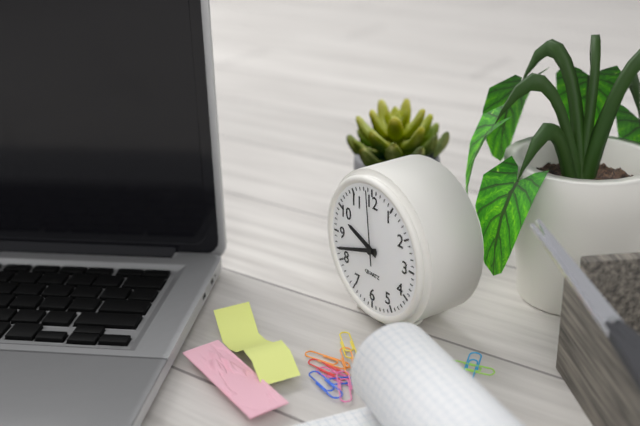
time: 9:42:59
